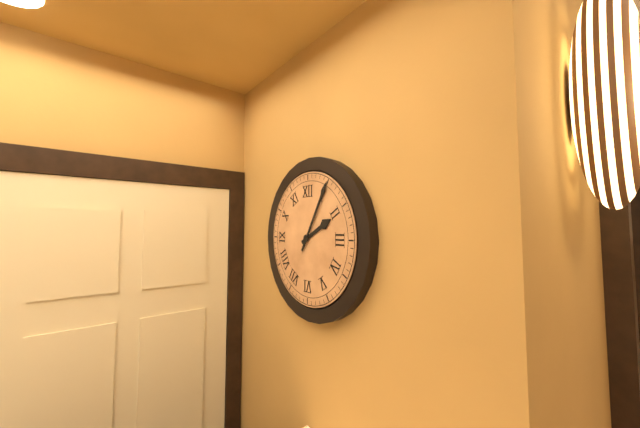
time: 2:05
